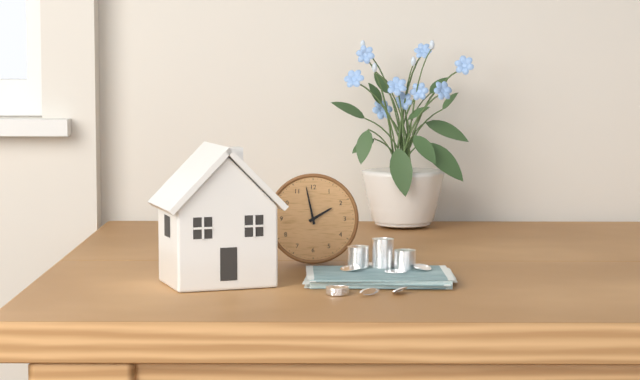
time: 1:58
